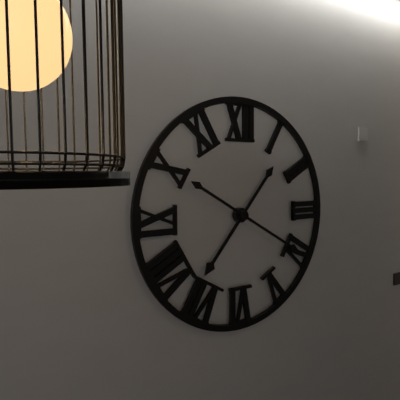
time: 7:20
